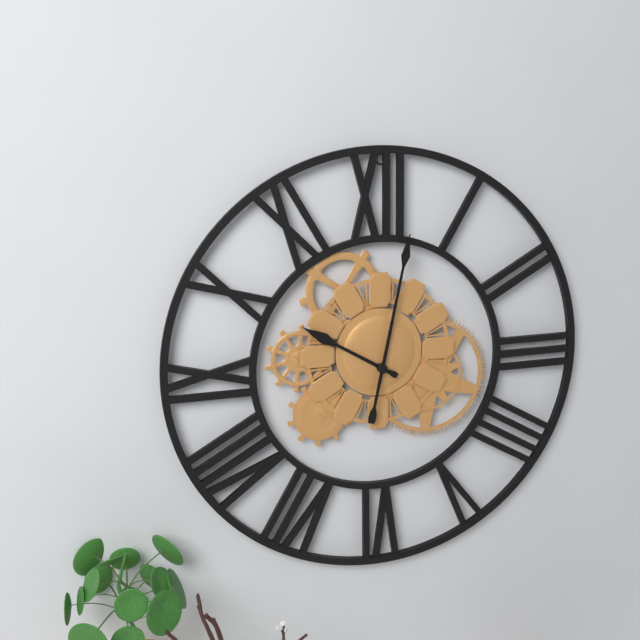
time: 10:02
